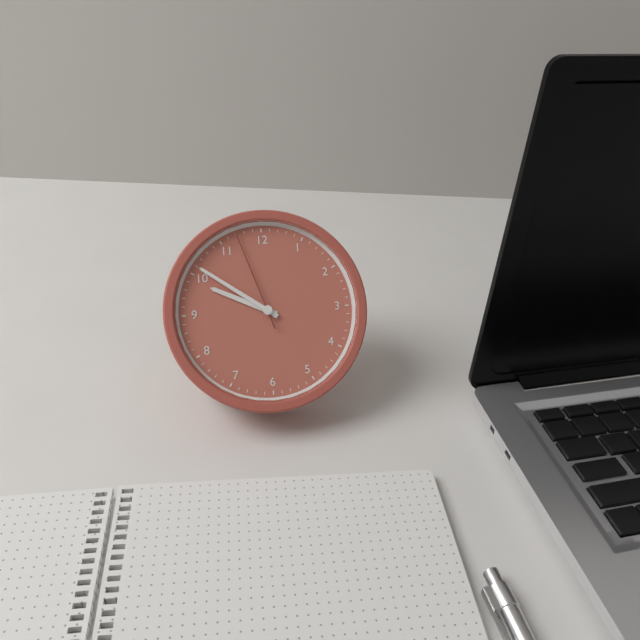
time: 9:51:57
